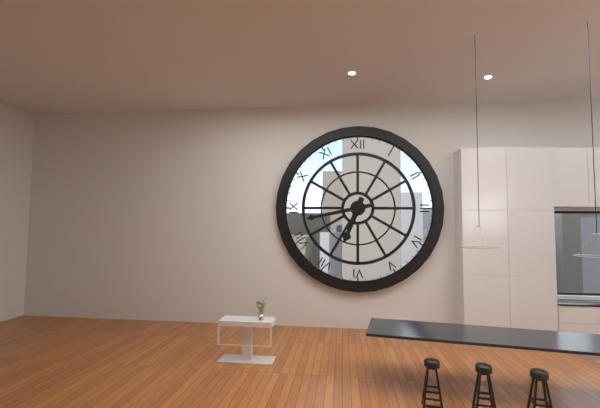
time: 6:43
